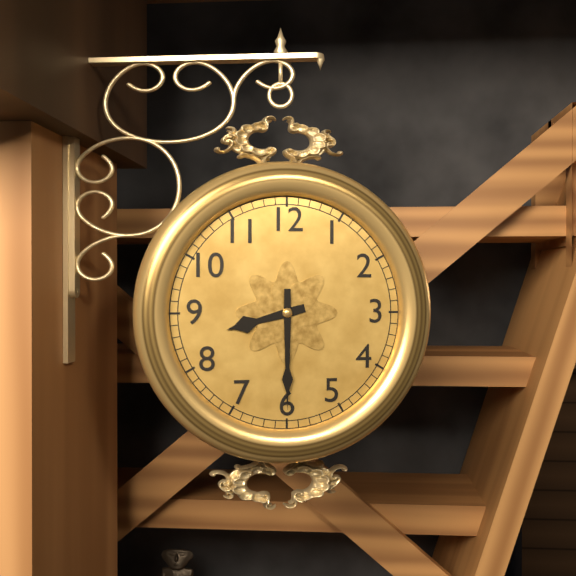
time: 8:30
